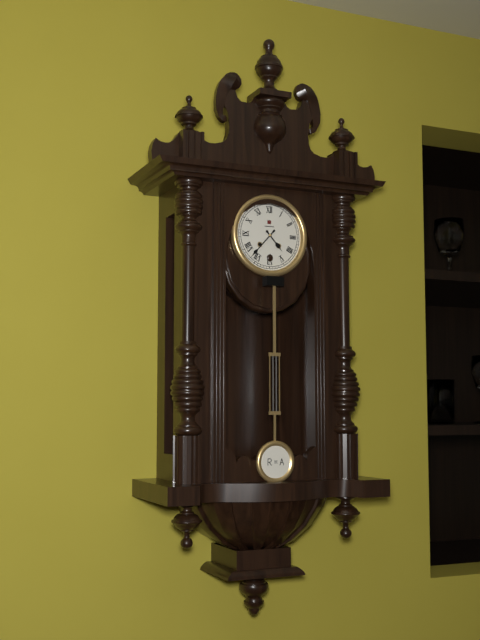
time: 4:37
